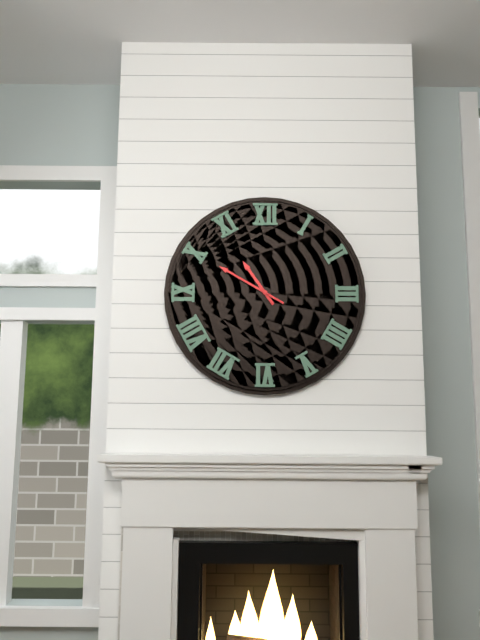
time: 10:50
